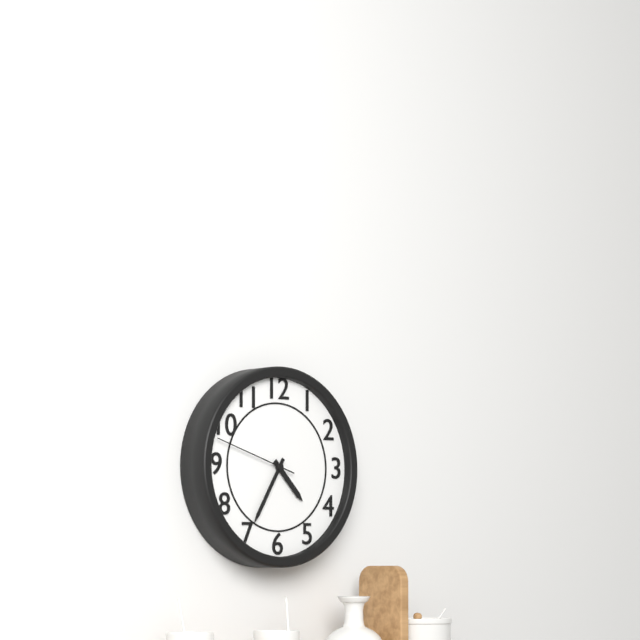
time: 4:35:48
